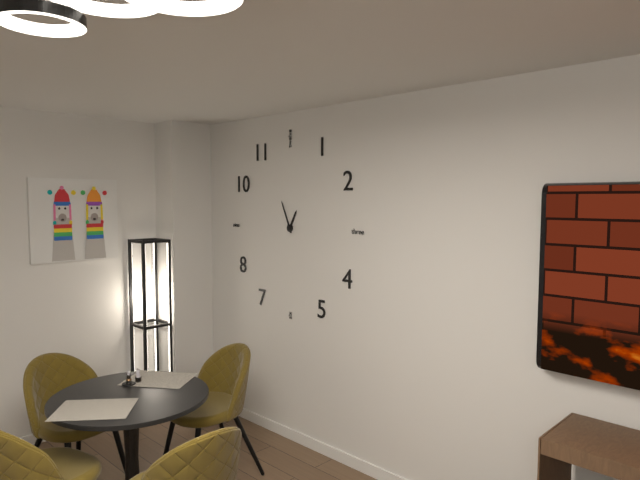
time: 12:56
